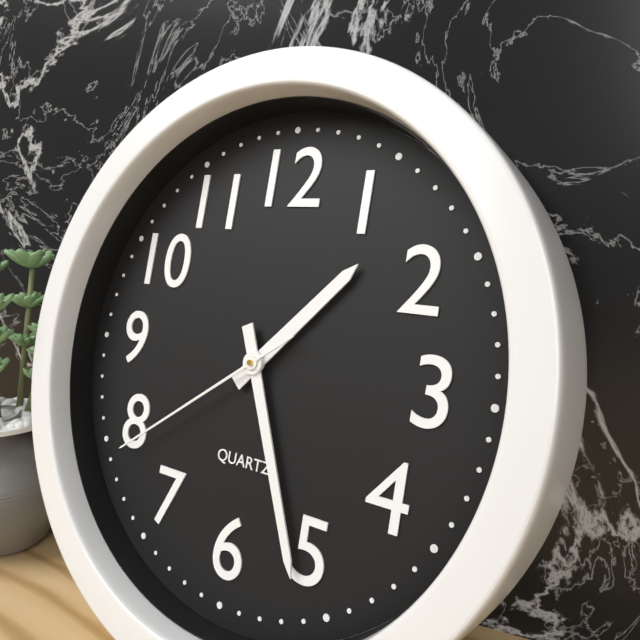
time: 1:26:39
